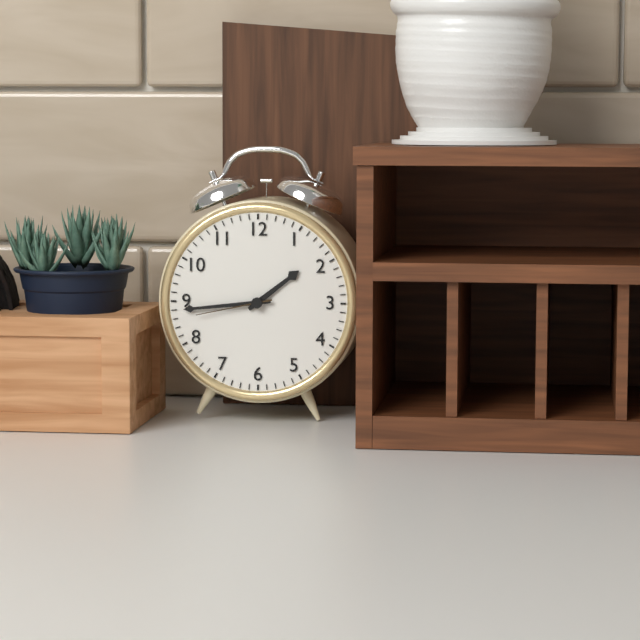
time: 1:44:43
